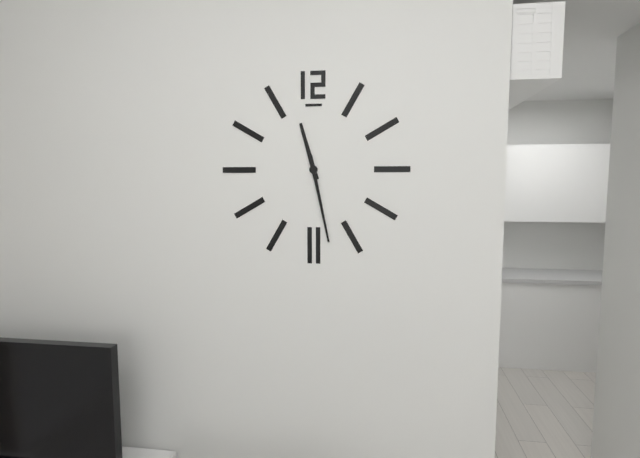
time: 11:28
